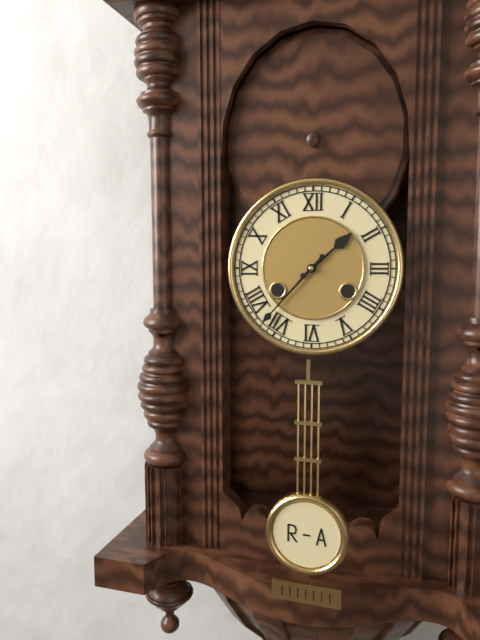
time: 1:37
